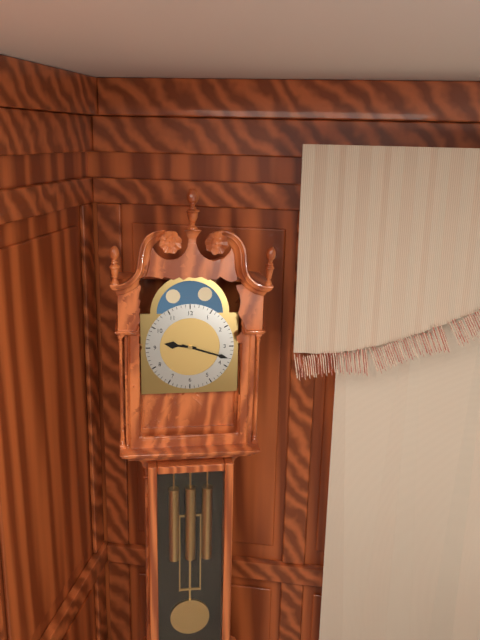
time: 9:18
